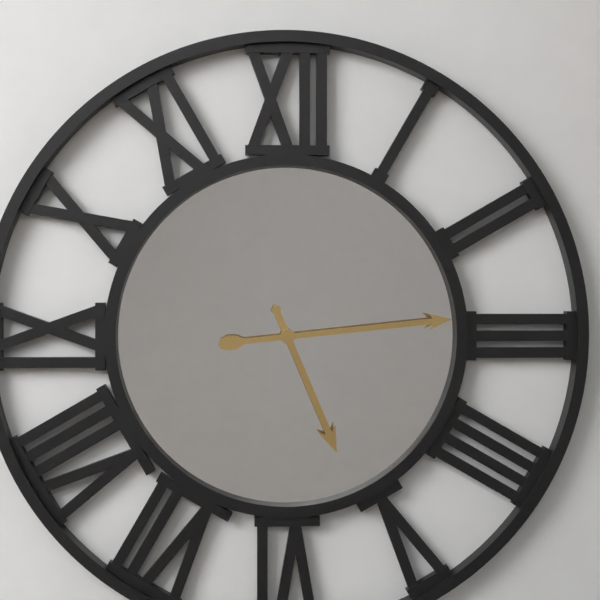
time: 5:14
